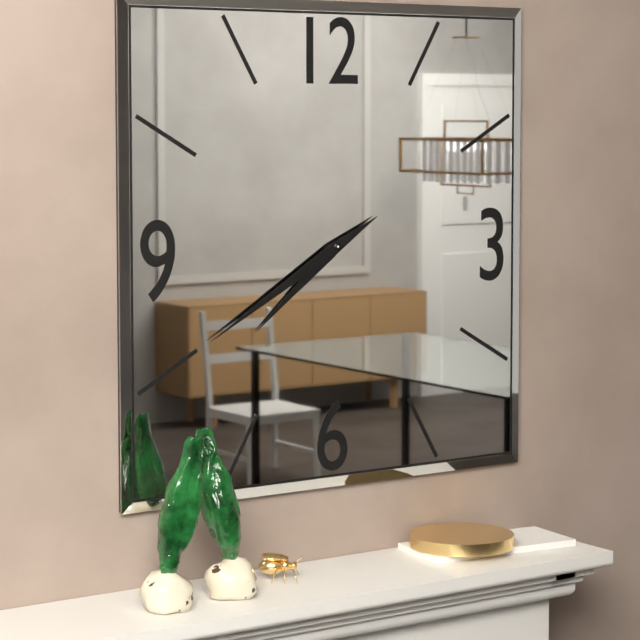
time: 7:40
